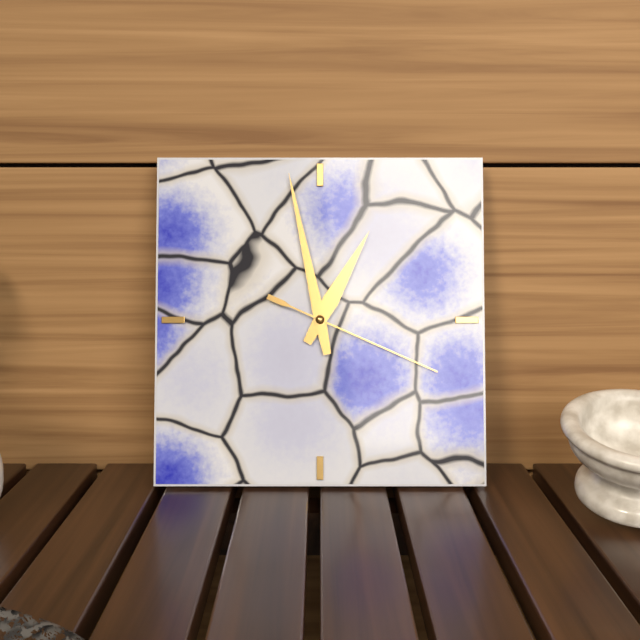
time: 12:58:19
